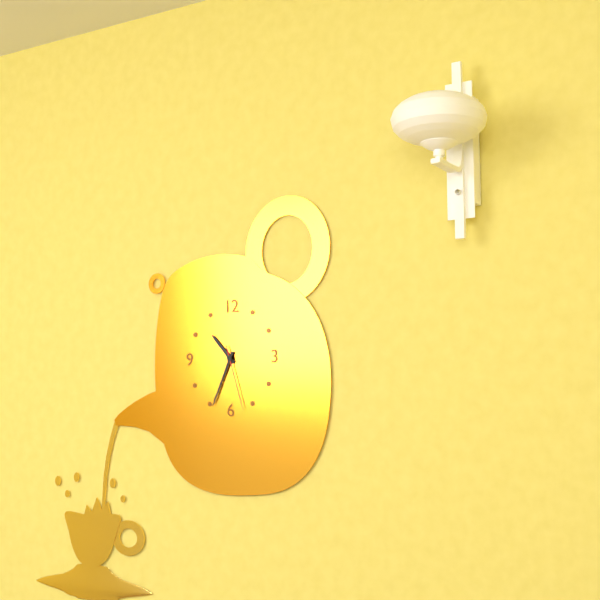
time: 10:34:27
